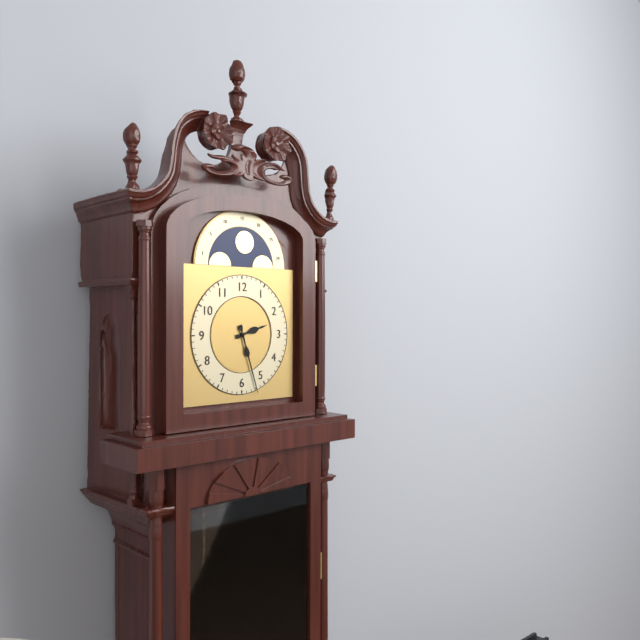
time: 2:27
